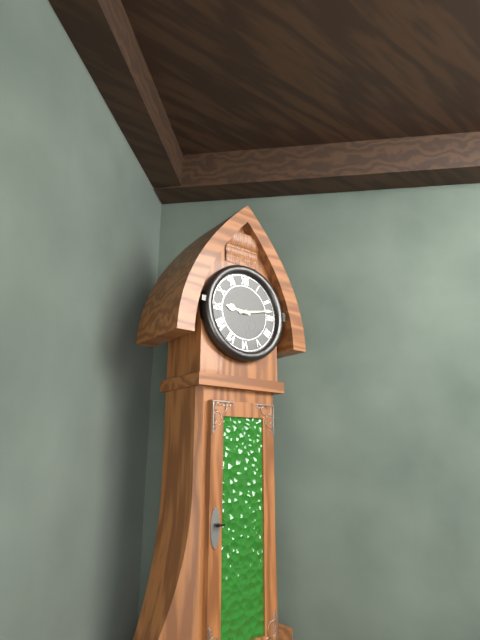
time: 9:13
